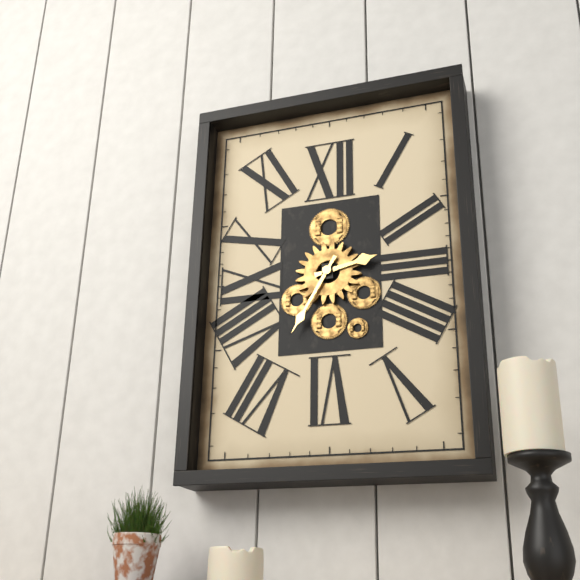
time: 2:35
